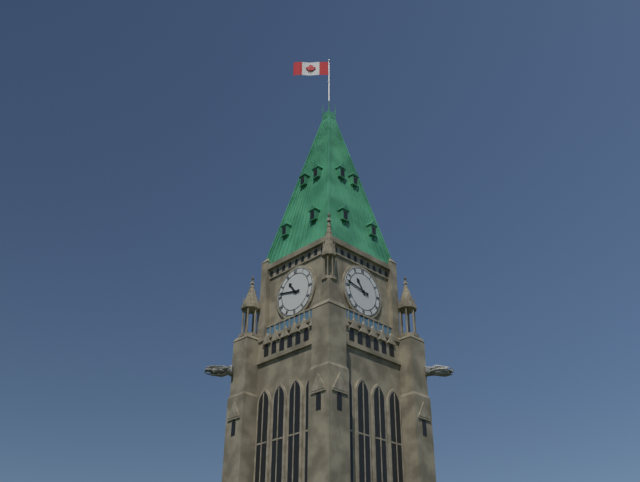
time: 10:47
